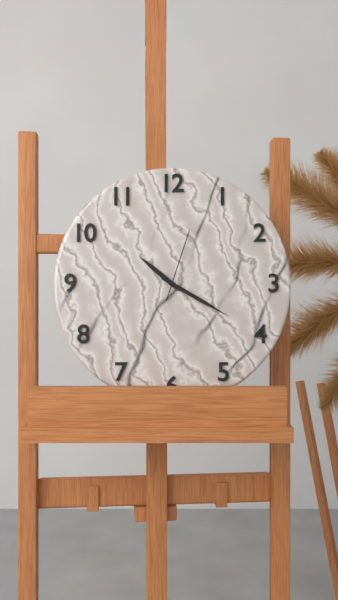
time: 10:20:03
